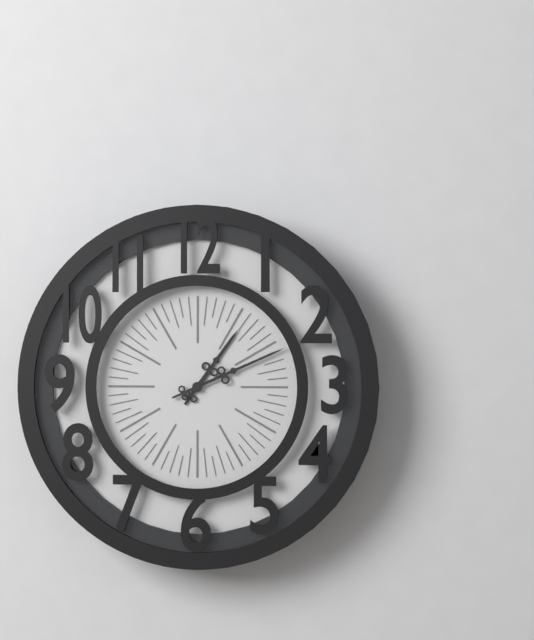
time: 1:11
